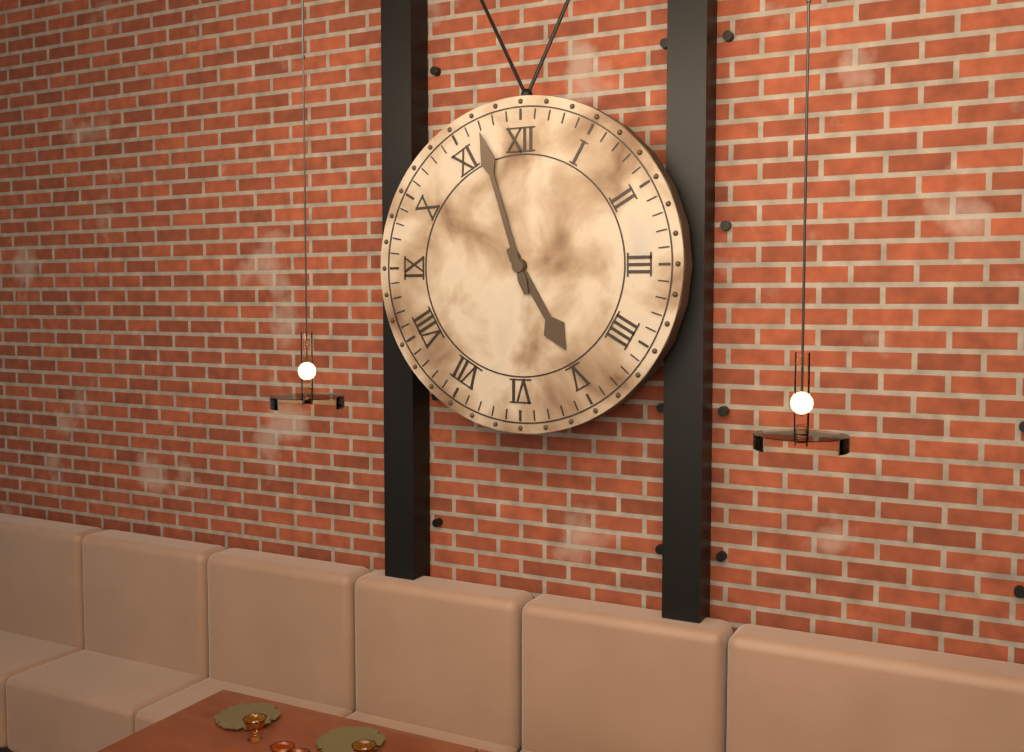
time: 4:57
